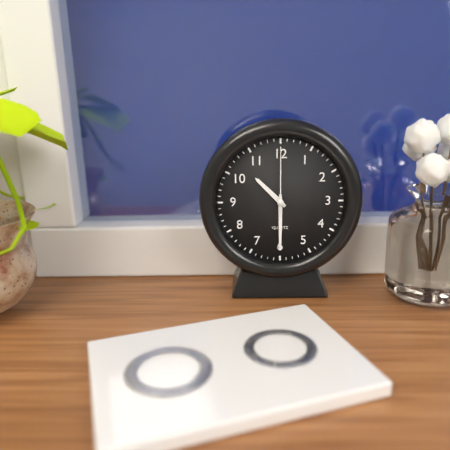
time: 10:30:00
